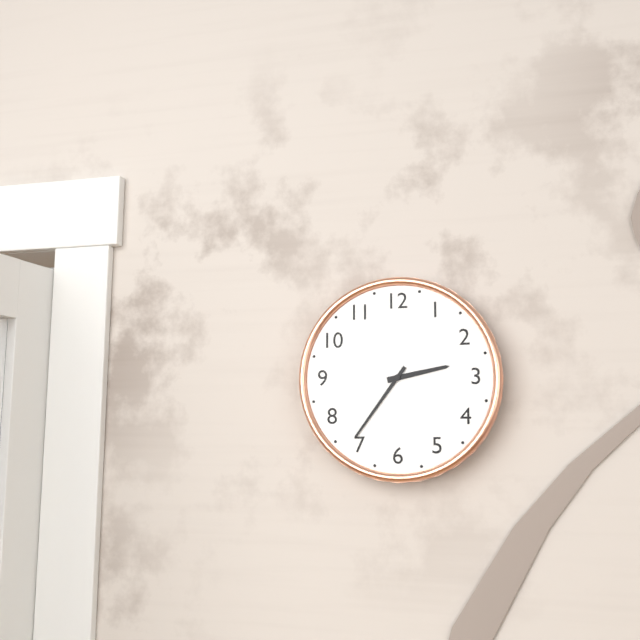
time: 2:36
